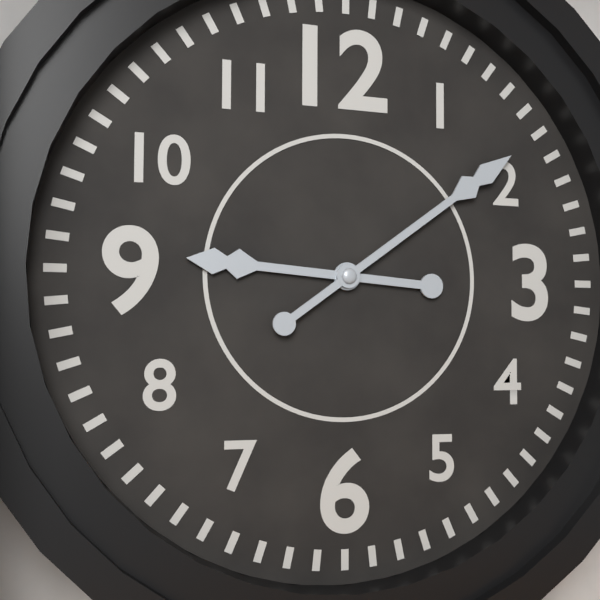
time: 9:09
